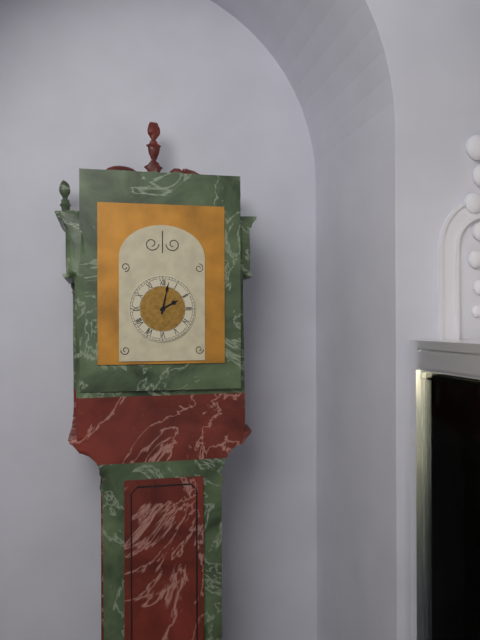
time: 2:02
